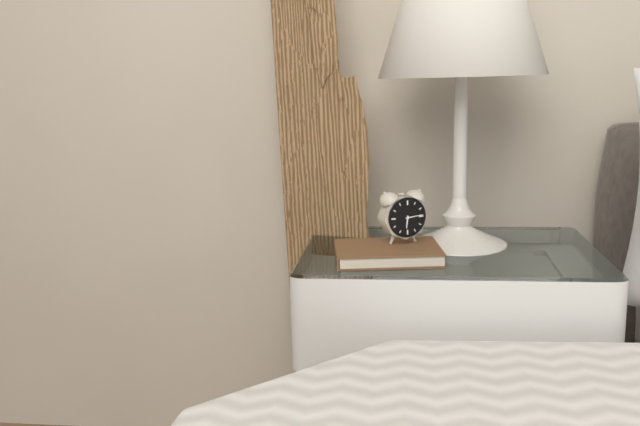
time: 6:14
